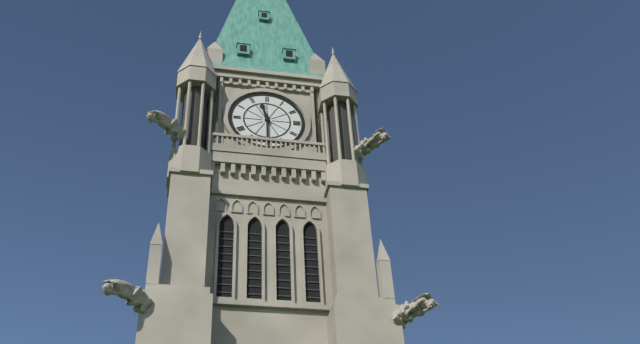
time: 11:30
